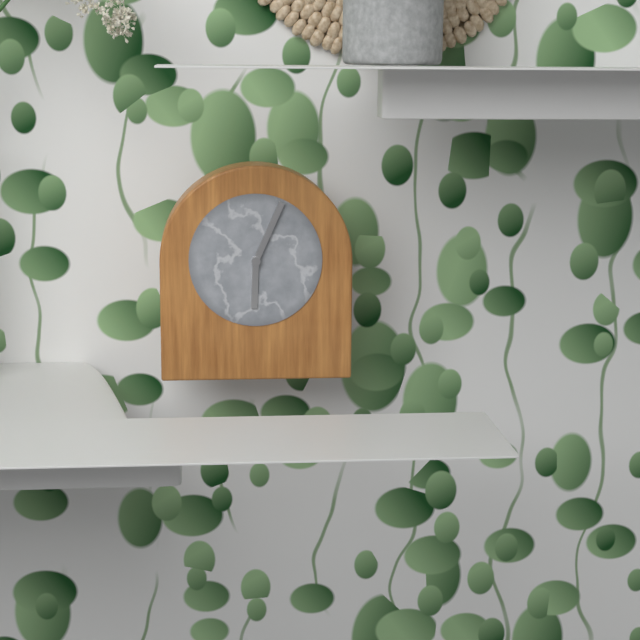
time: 6:04
